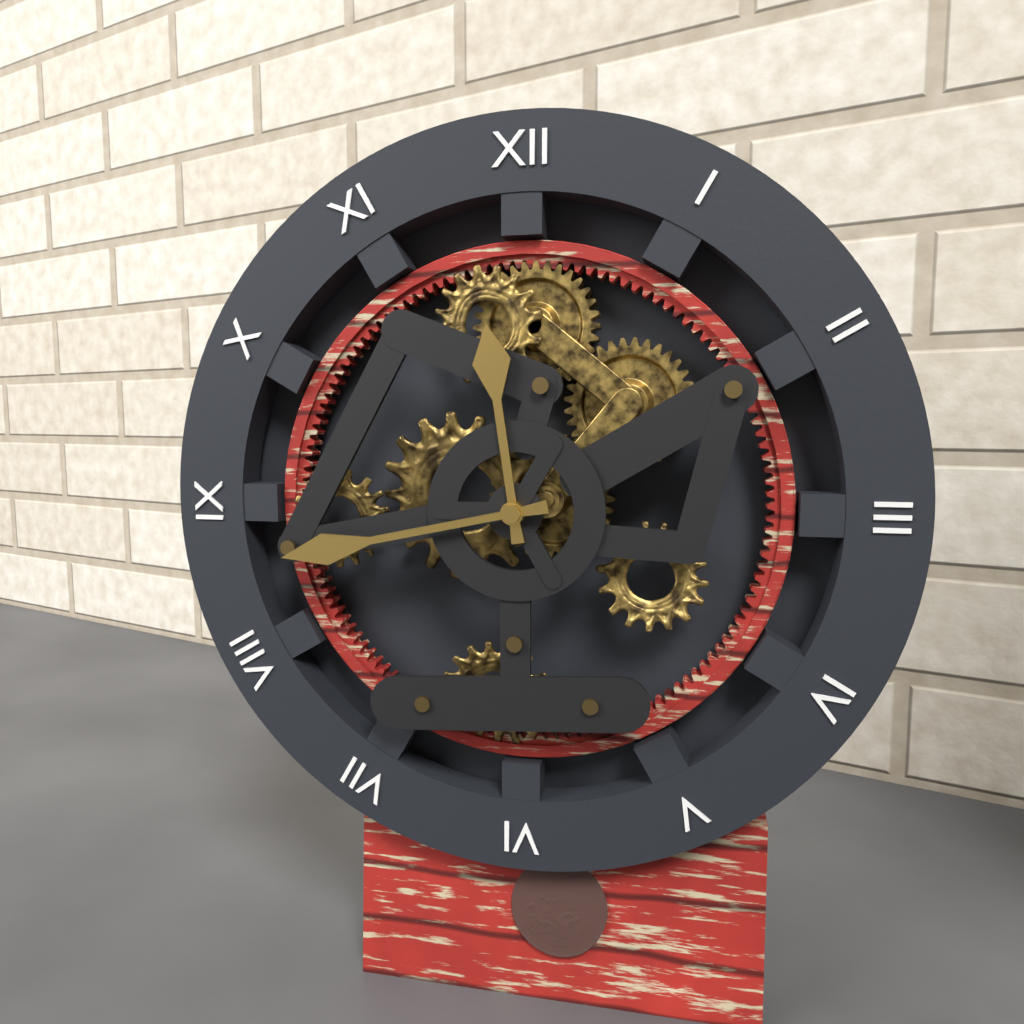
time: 11:43
